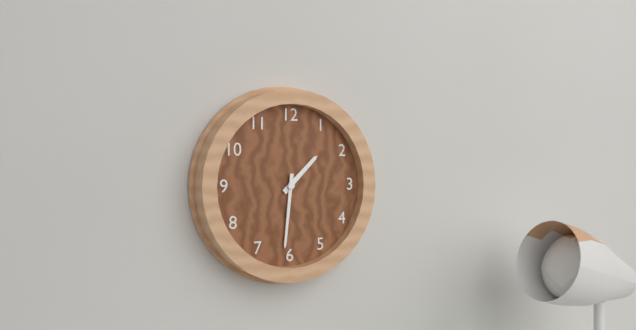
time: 1:31
